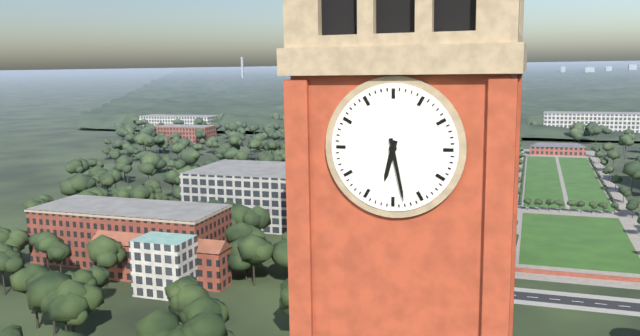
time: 6:28
